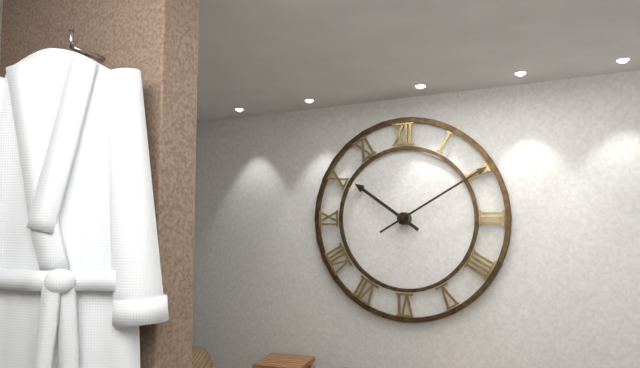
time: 10:10
